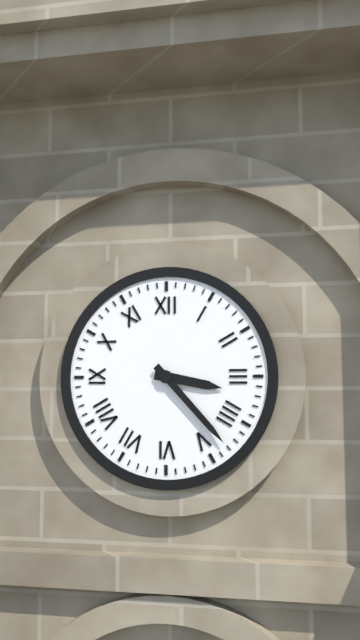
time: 3:23
